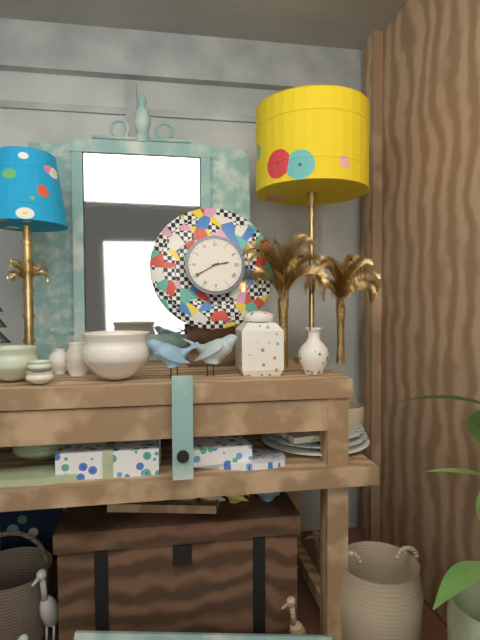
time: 2:40
